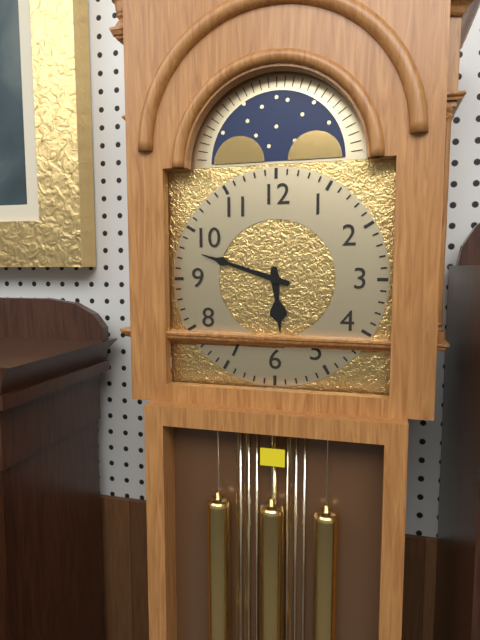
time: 5:48
